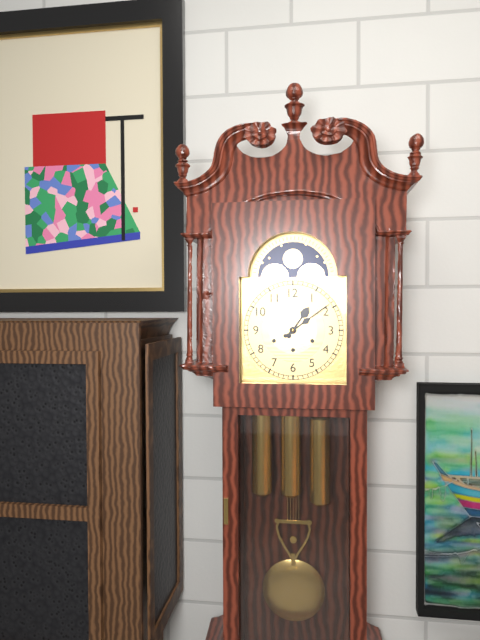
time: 1:09
